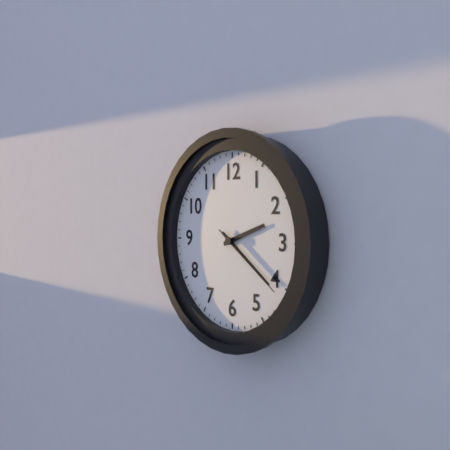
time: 2:21:21
